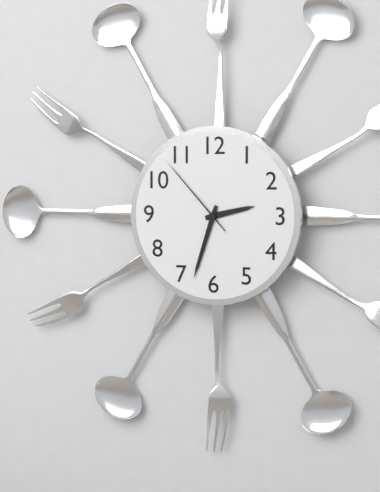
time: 2:33:53
